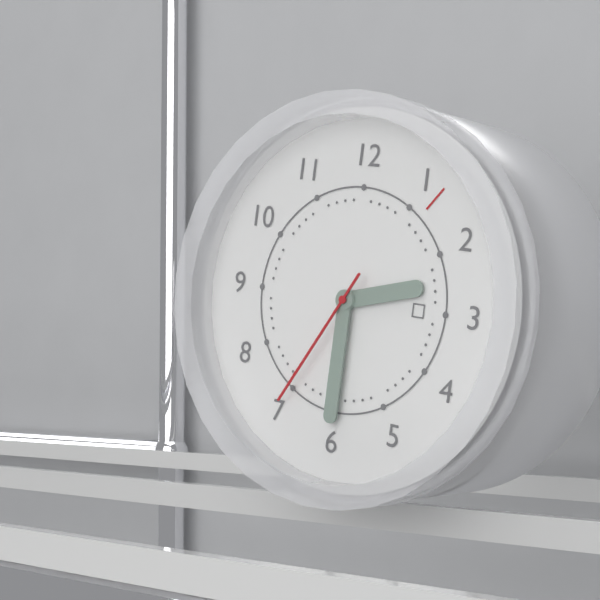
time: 2:30:35
